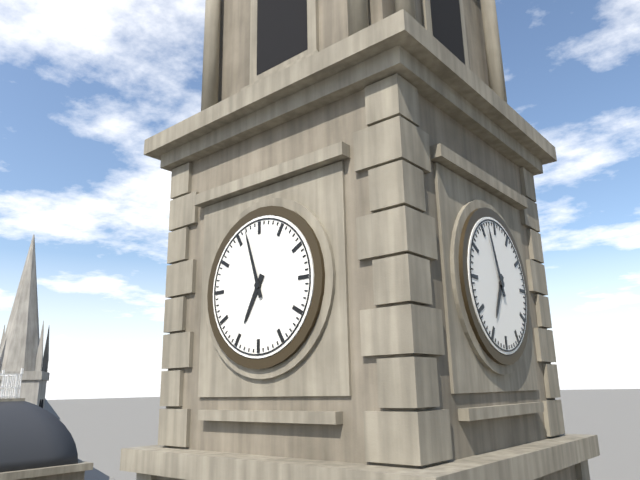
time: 6:57
